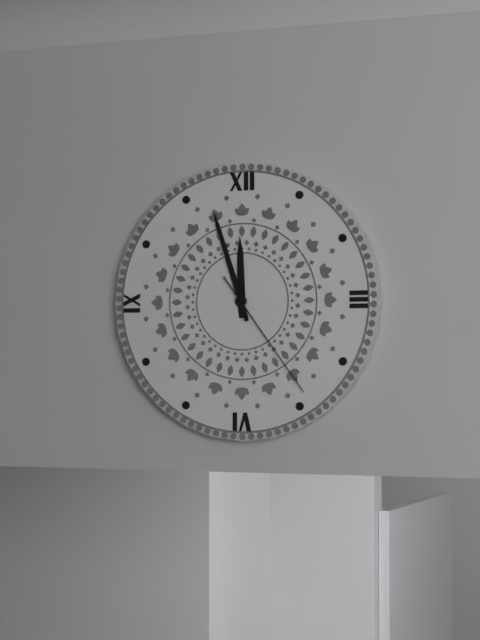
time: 11:57:24
